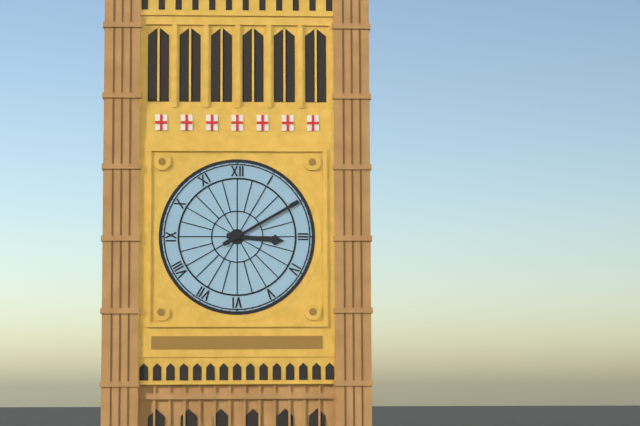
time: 3:10
